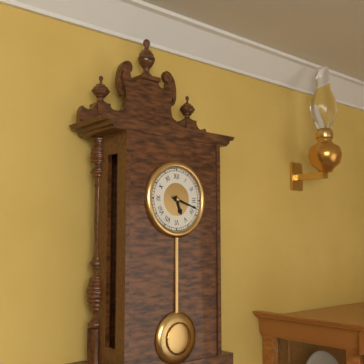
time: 5:18
